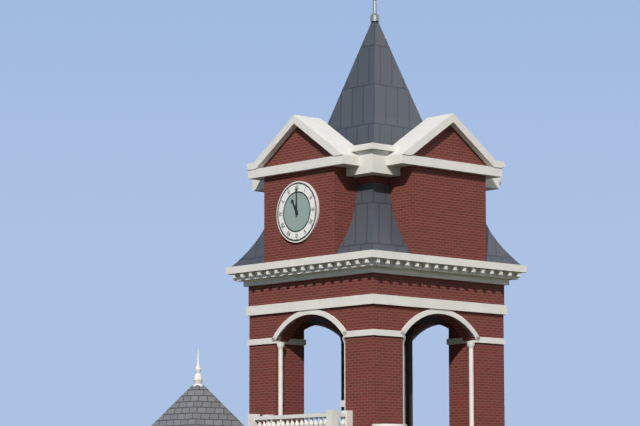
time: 11:00
